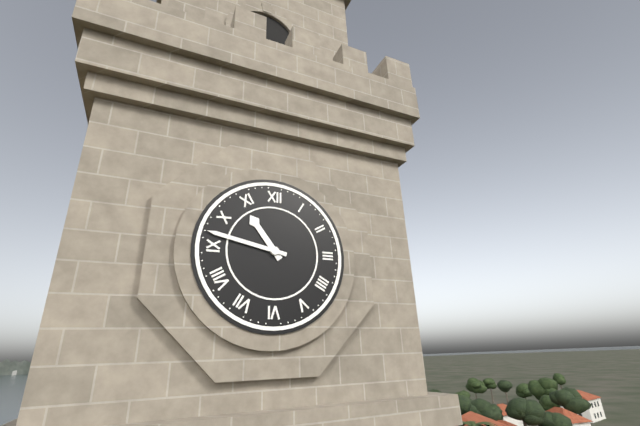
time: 10:47
